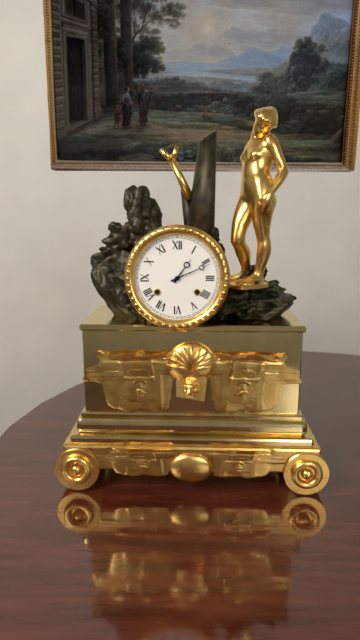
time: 1:11
